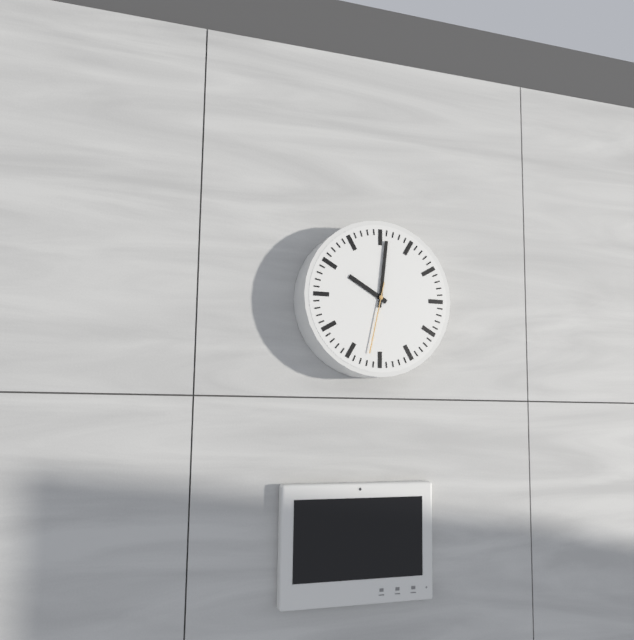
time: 10:01:32
